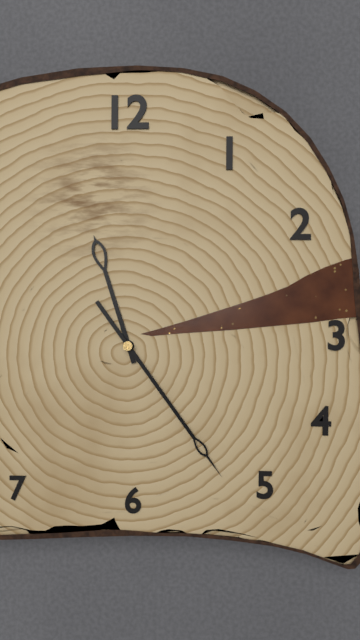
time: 11:24
